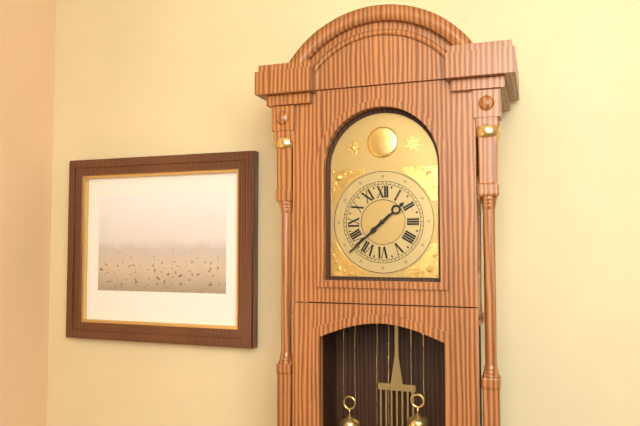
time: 1:38
